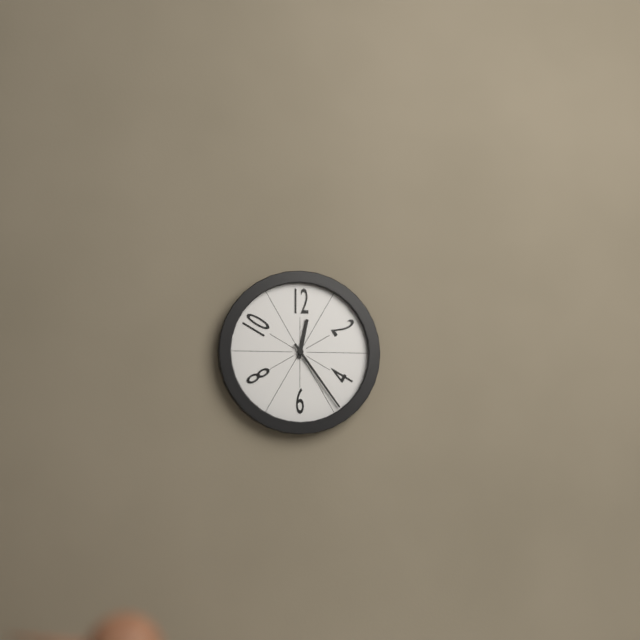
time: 12:24
